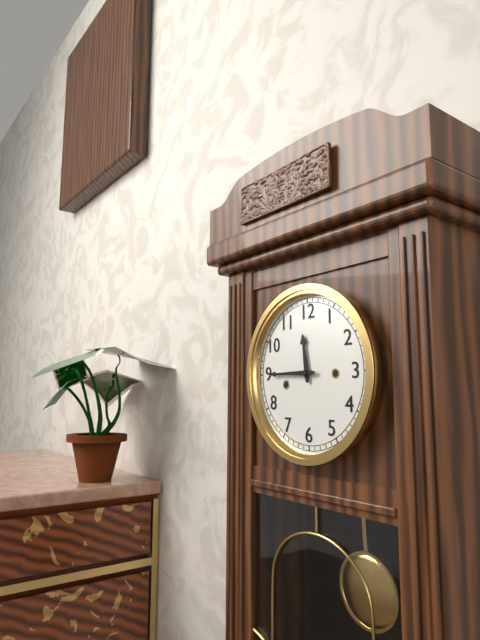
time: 11:45
